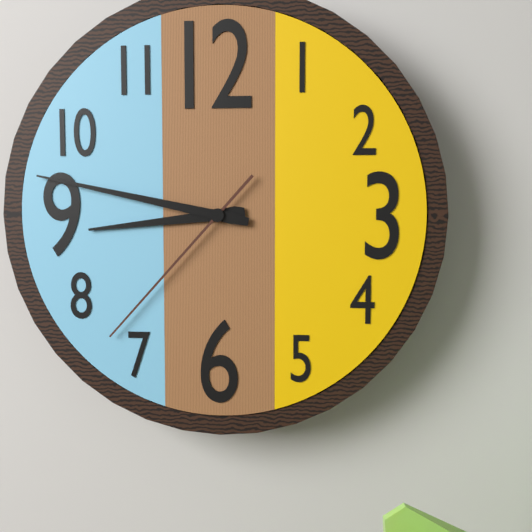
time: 8:47:37
